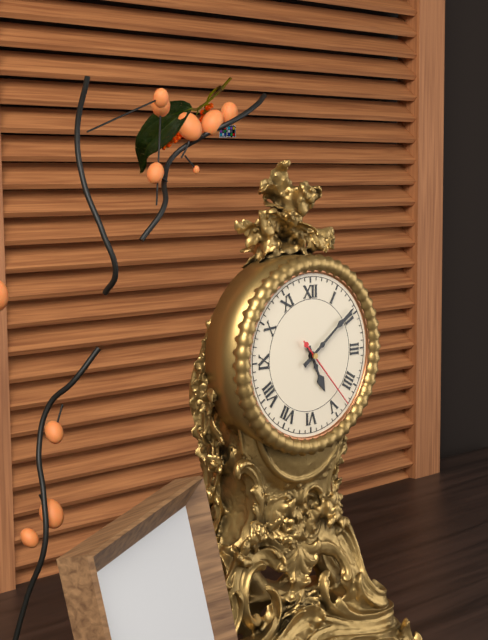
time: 5:09:23
